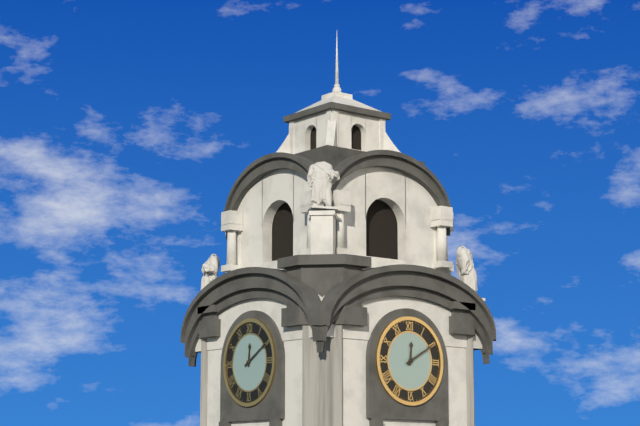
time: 12:10
